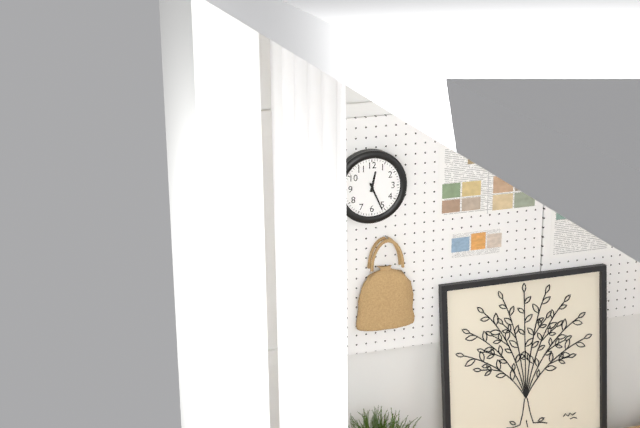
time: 12:26
